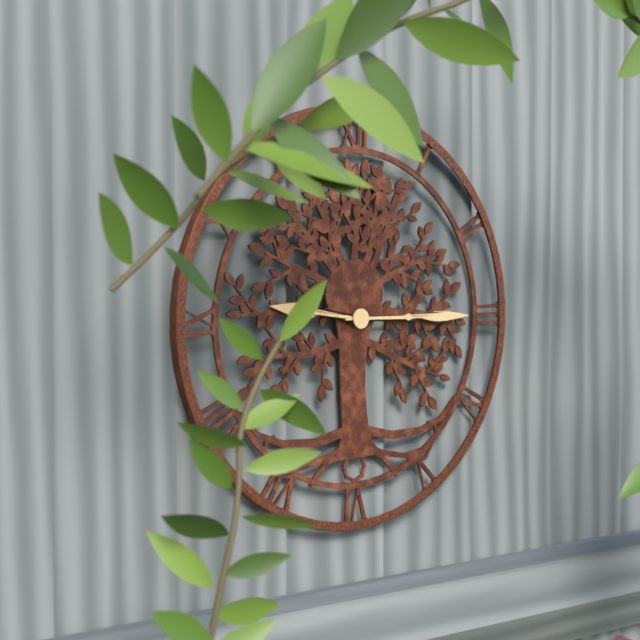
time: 9:15
